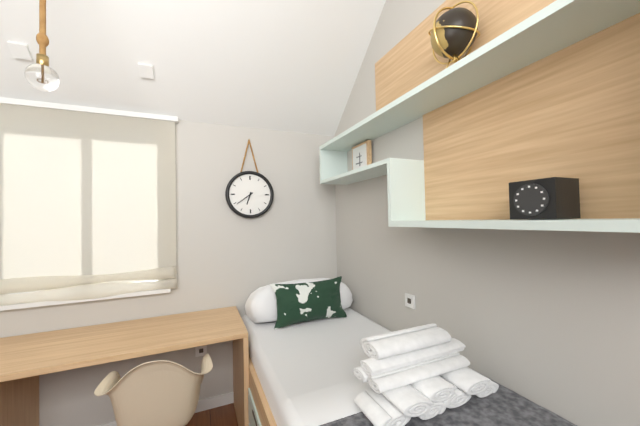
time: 6:39
